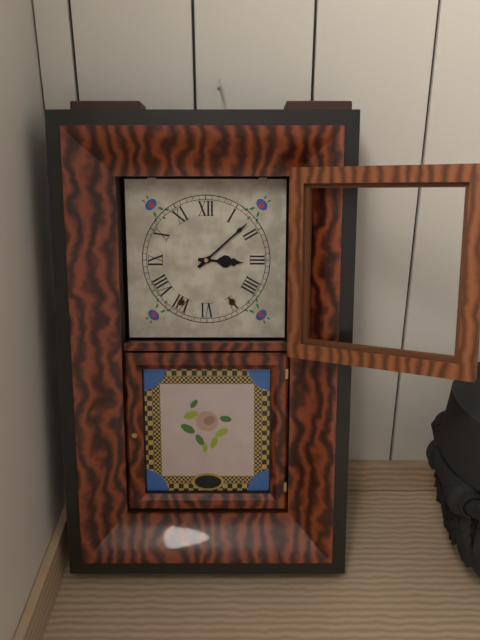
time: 3:08
